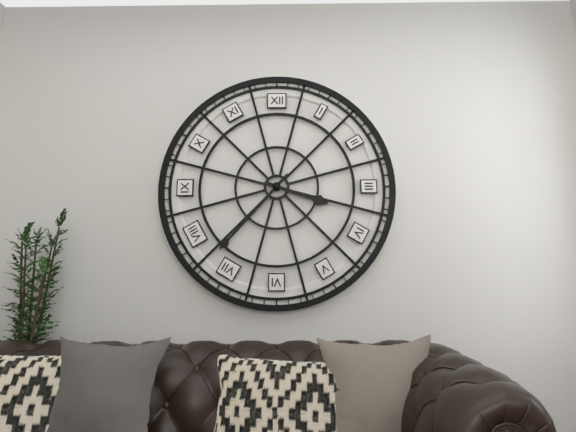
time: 3:37
